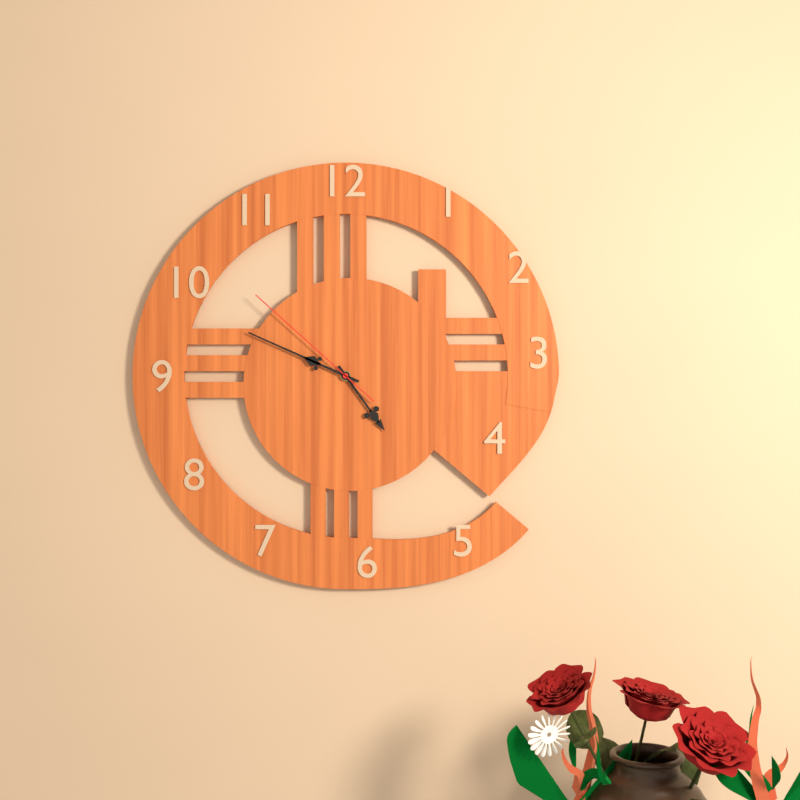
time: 4:49:52
